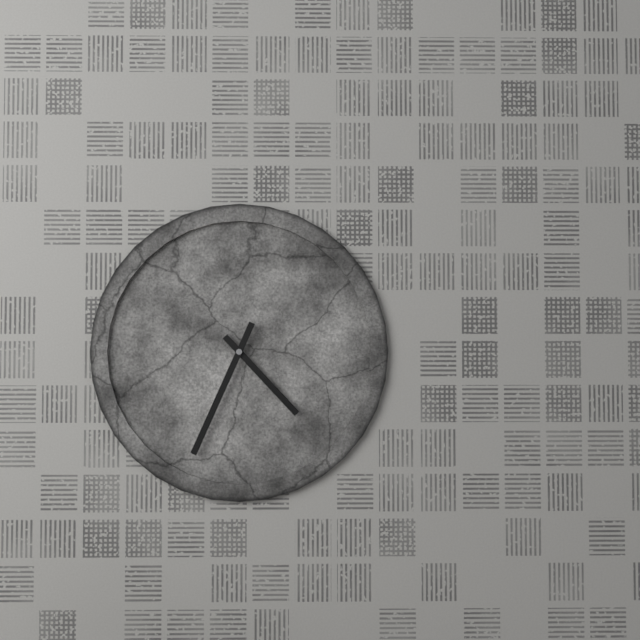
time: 4:34
